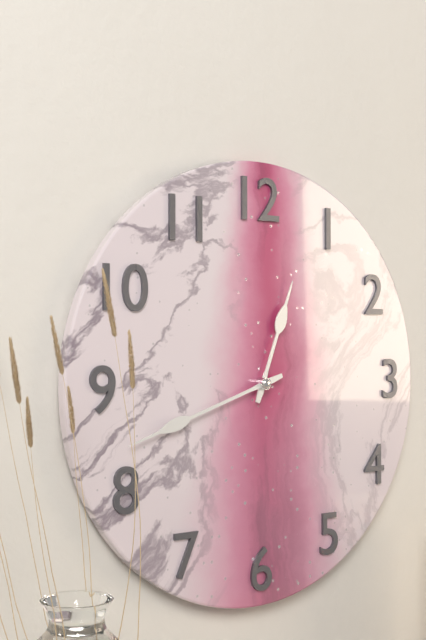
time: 12:42
